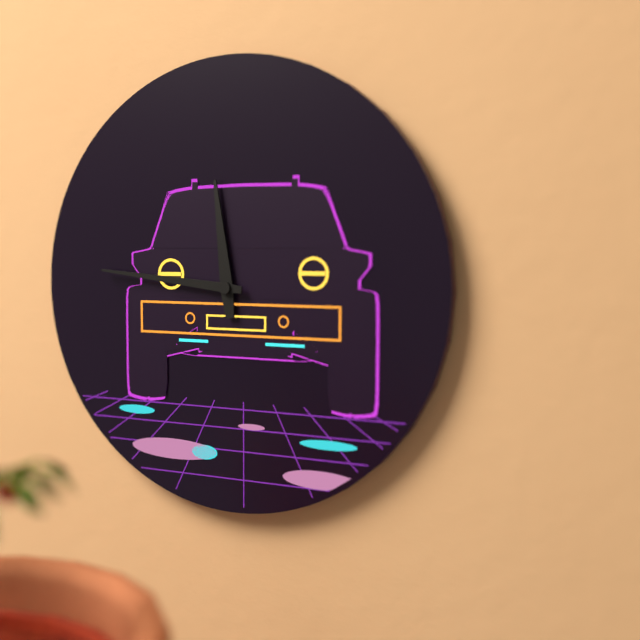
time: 11:46
